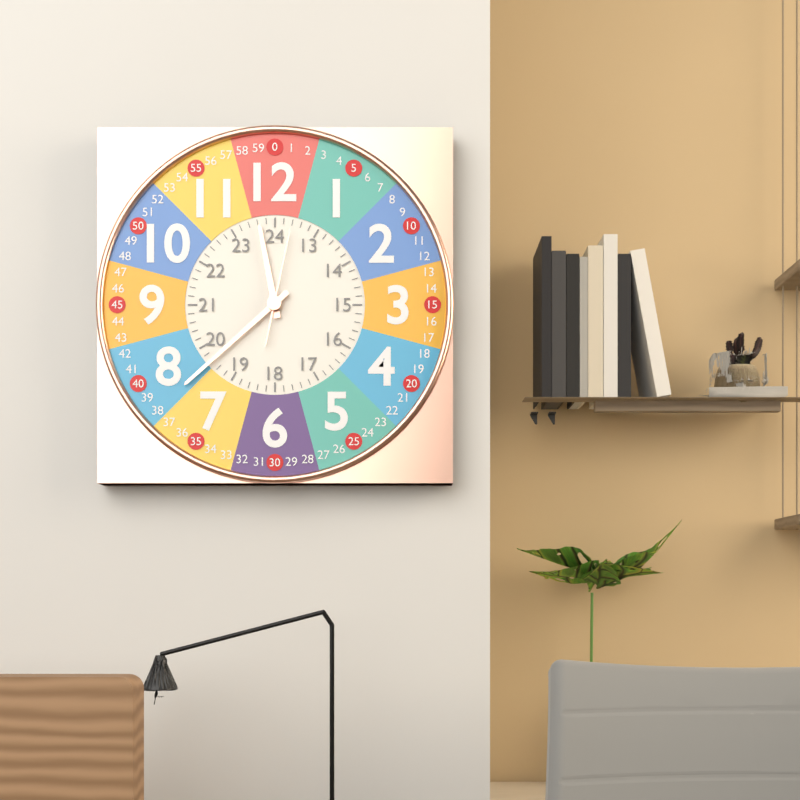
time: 11:38:02
